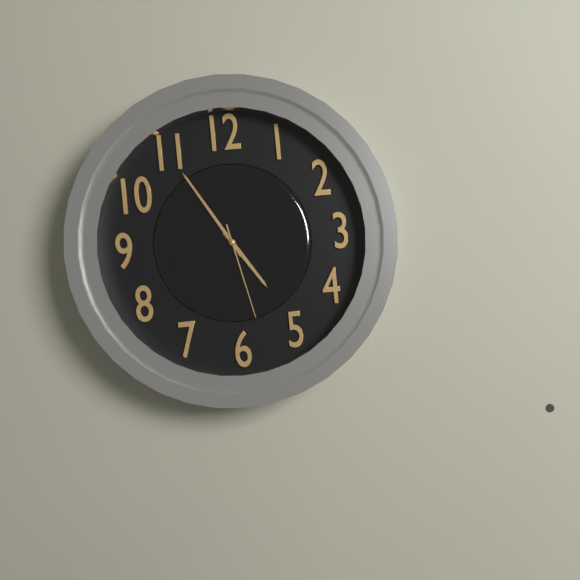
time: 4:55:28
